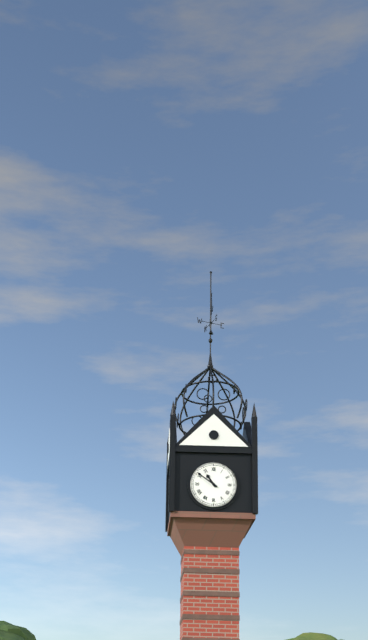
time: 10:51
